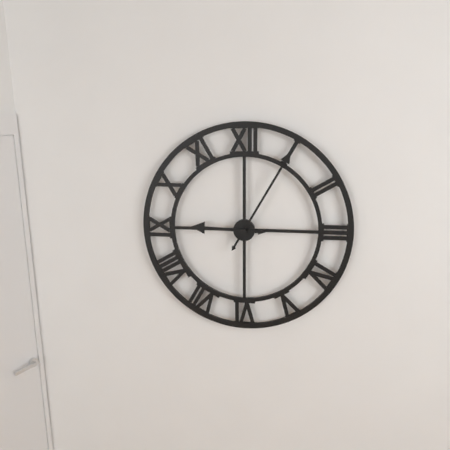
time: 9:05
